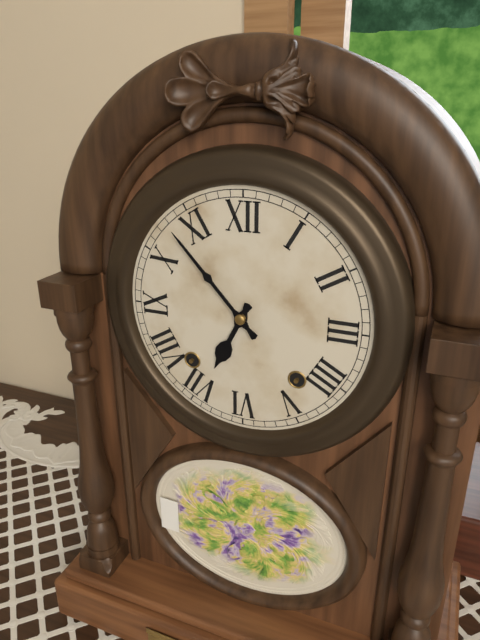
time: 6:53
